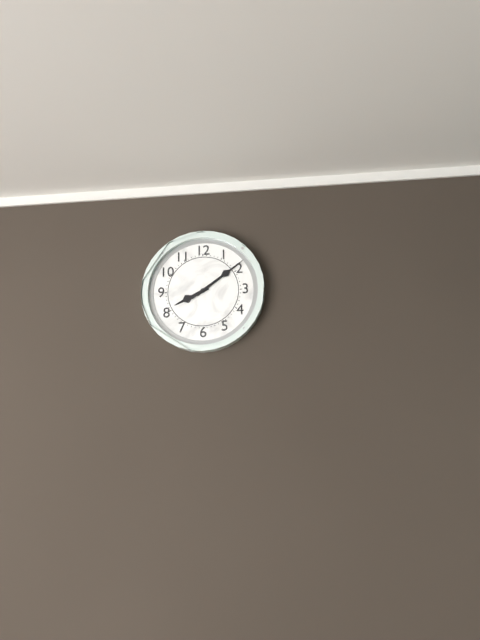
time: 8:09:09
